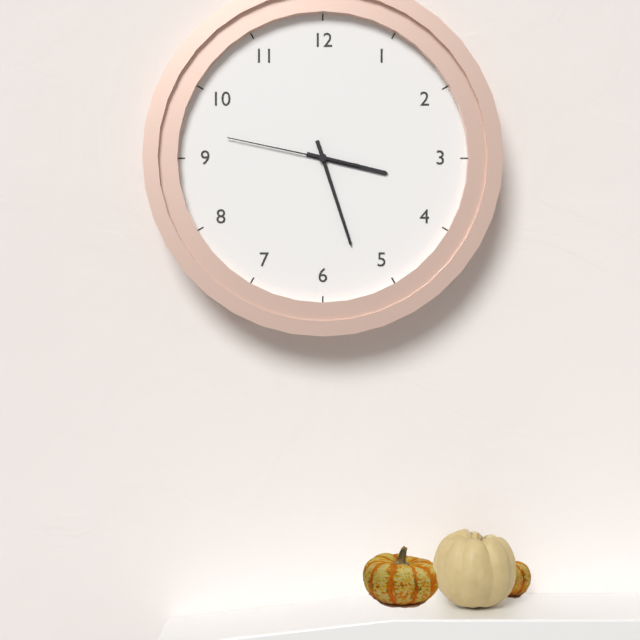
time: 3:27:47
